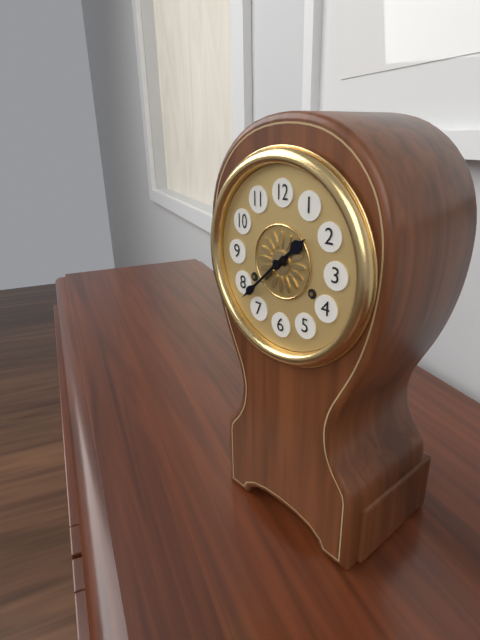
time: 1:38
